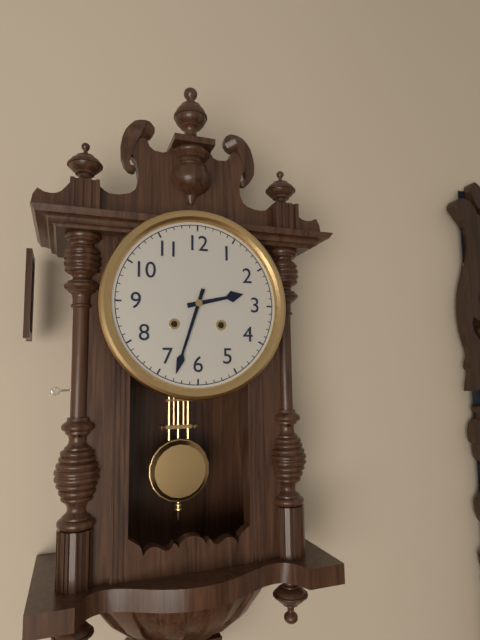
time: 2:33
